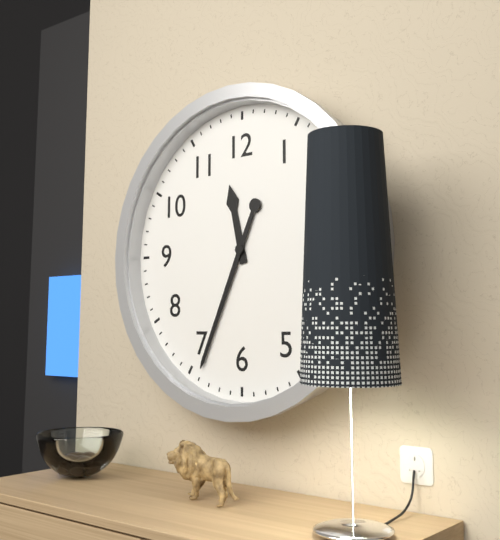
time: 11:34
